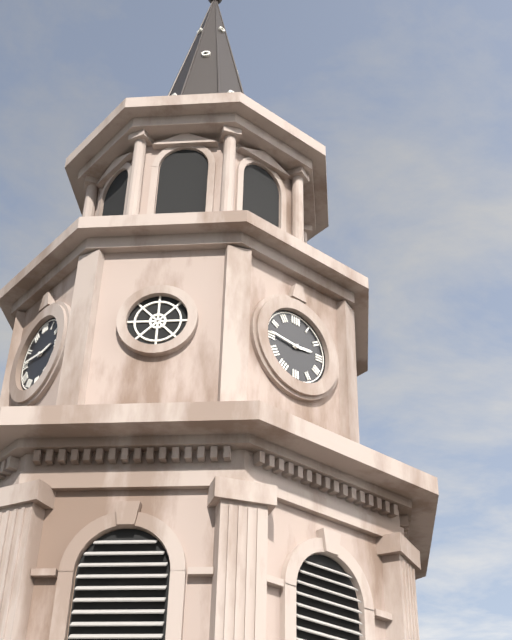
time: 2:46
